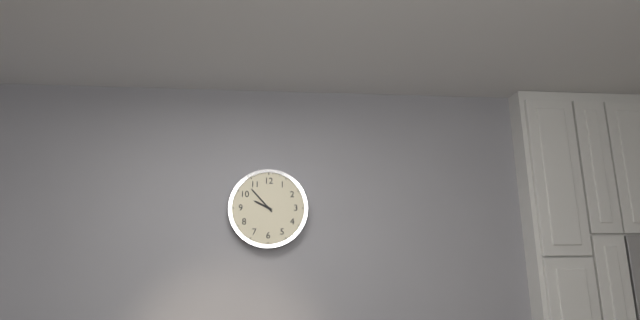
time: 9:53
